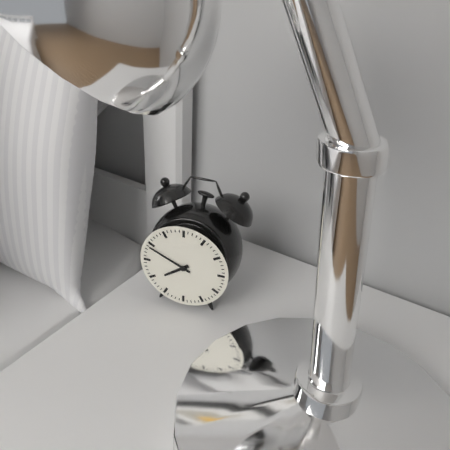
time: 7:49
